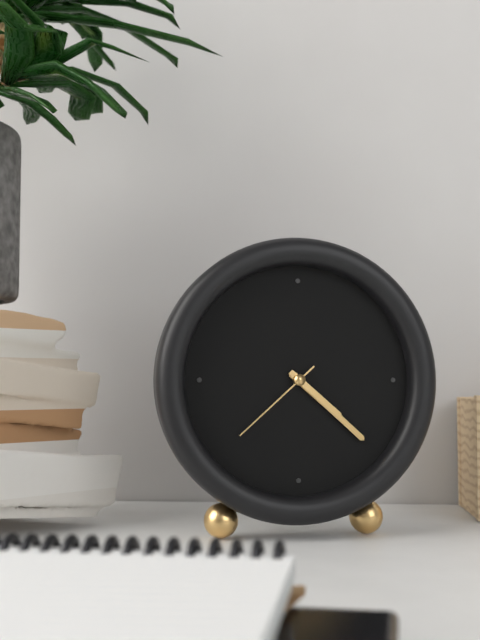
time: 4:22:38
